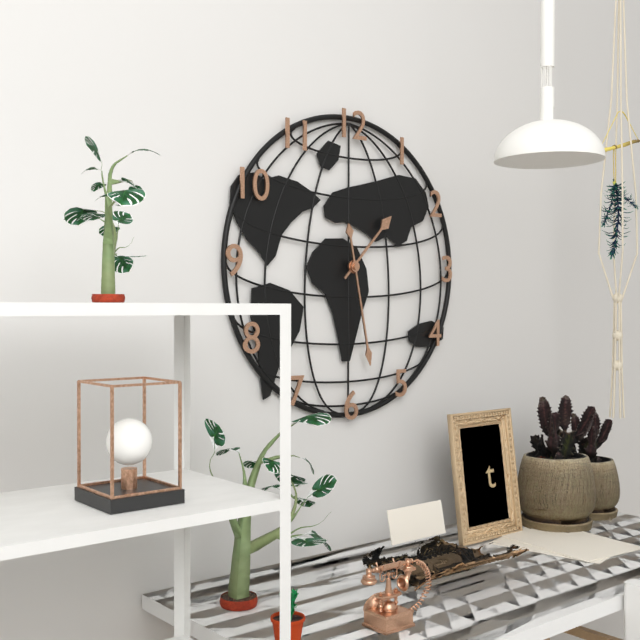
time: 1:28
